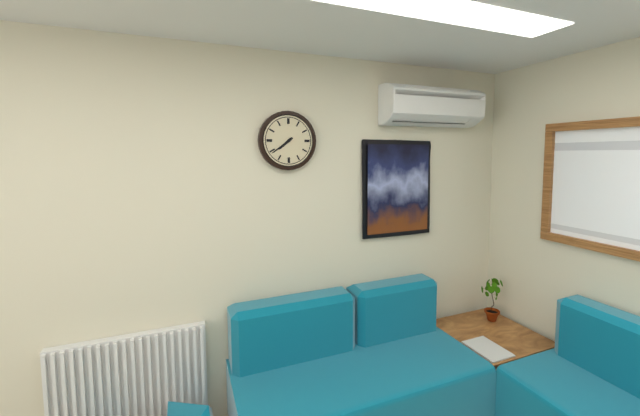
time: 7:39
